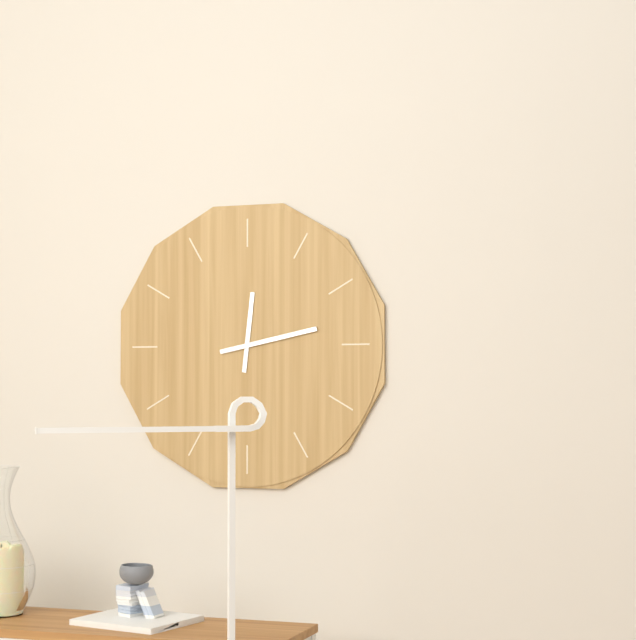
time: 12:13
